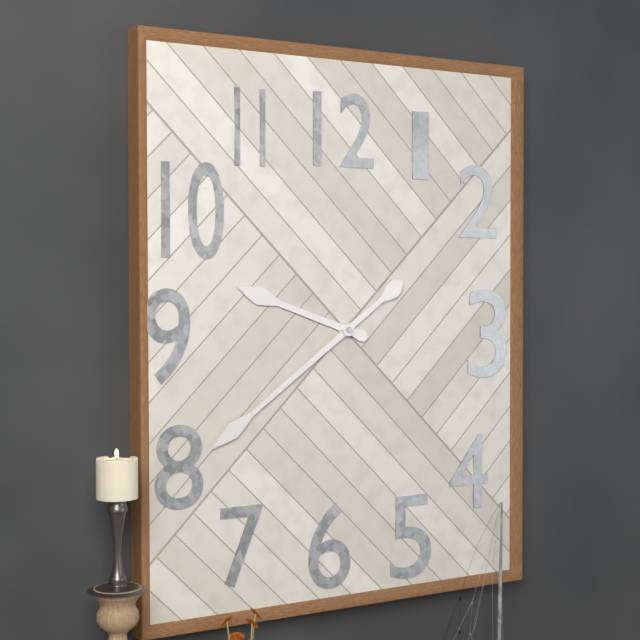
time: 9:39
